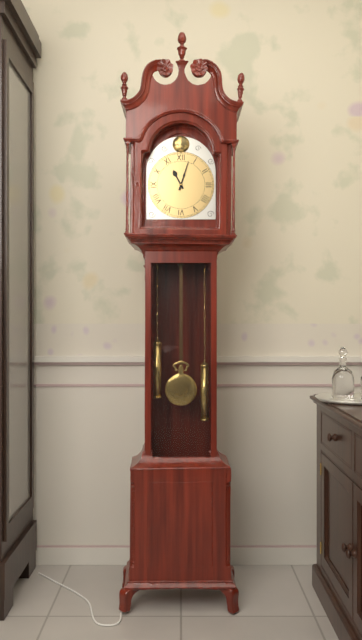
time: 11:03
